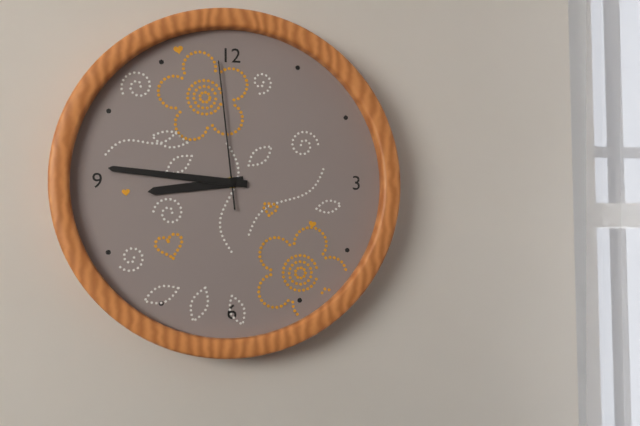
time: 8:46:59
